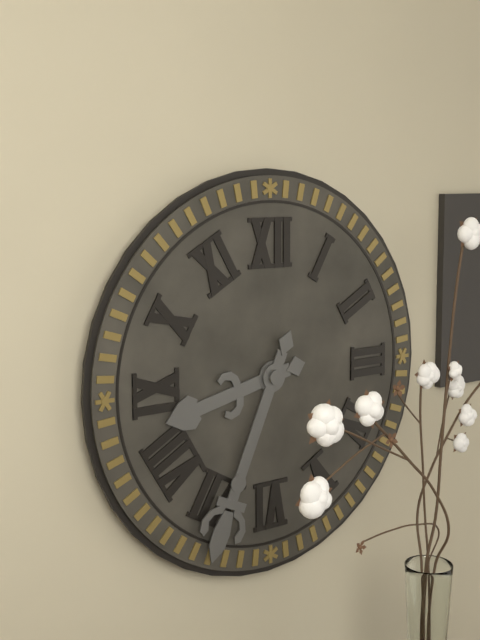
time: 8:34
